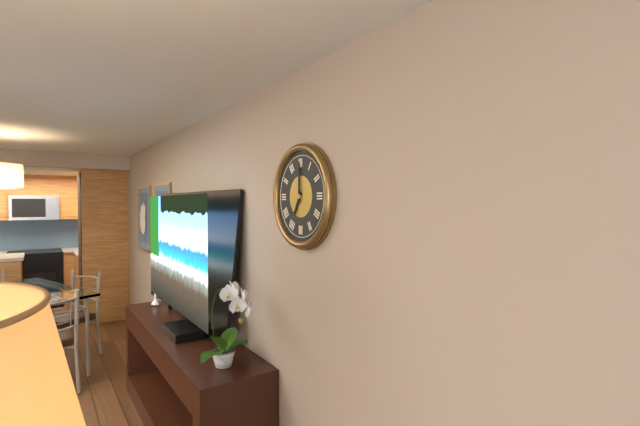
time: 7:00
